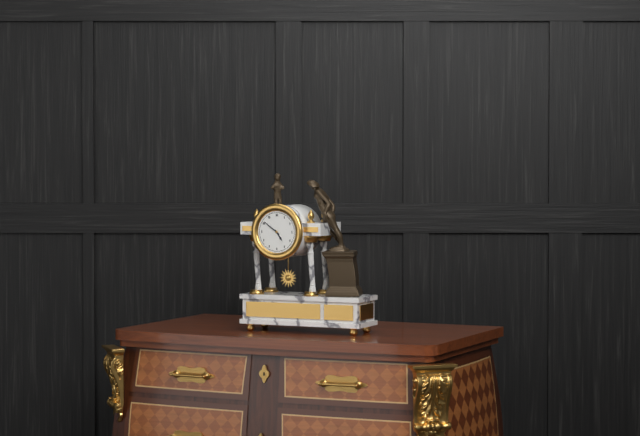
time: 4:51
